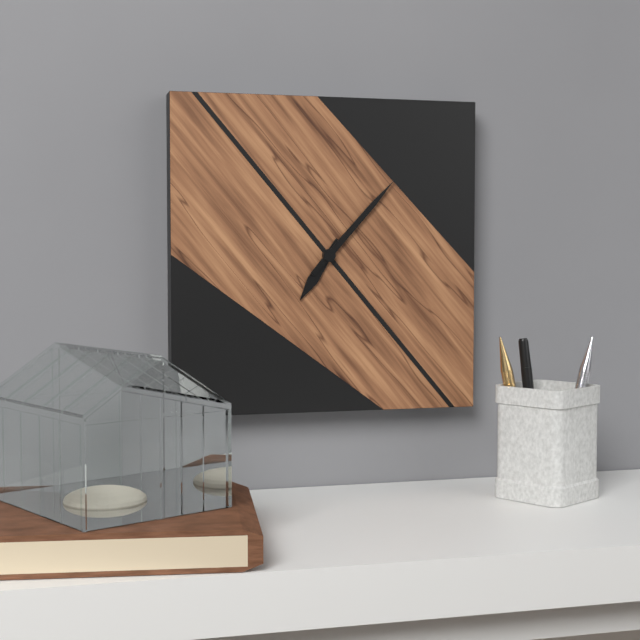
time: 7:07
